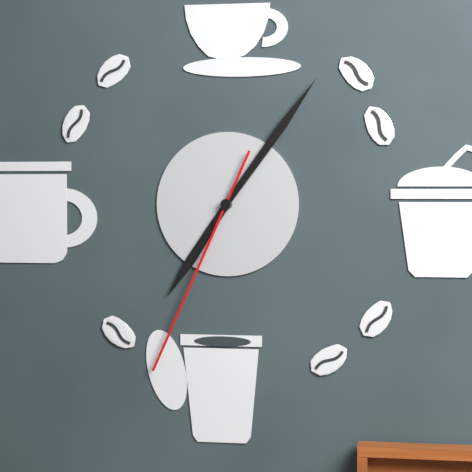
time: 7:06:34
